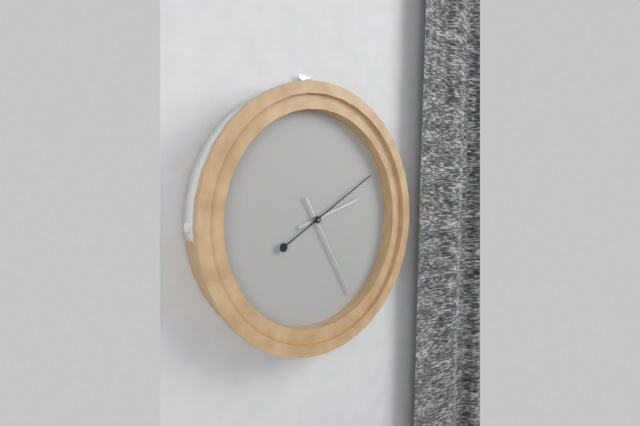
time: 2:25:10
